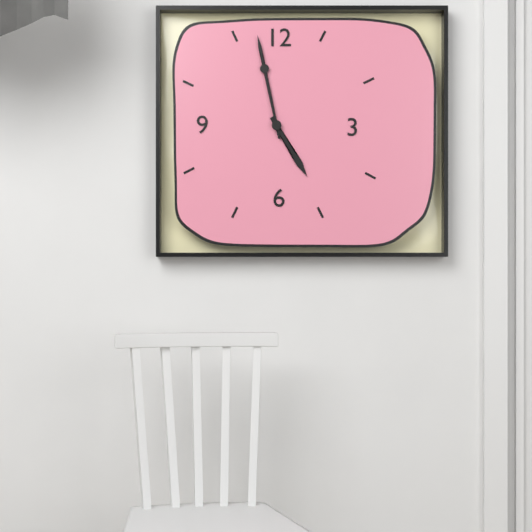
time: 4:58
